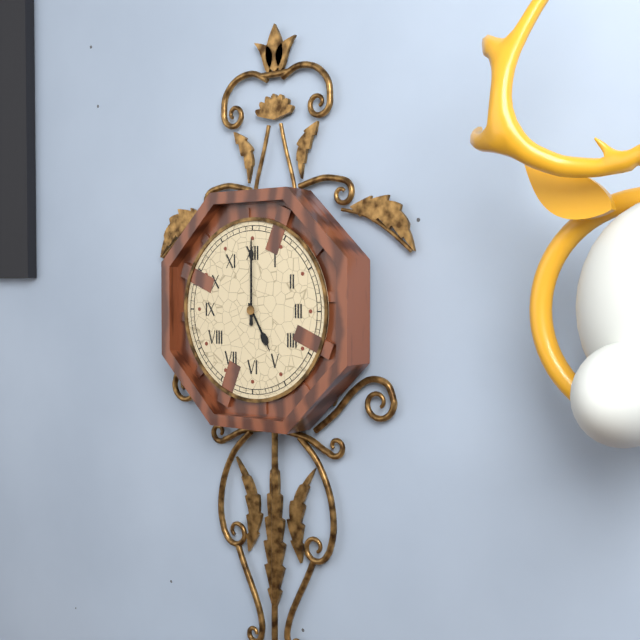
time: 5:00
